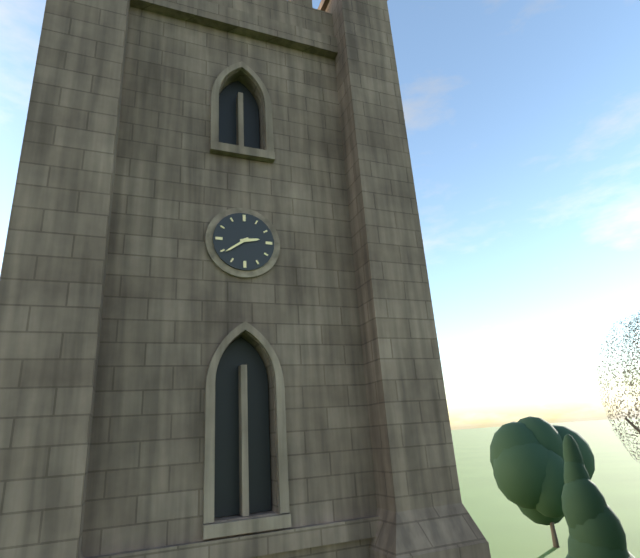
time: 2:39
